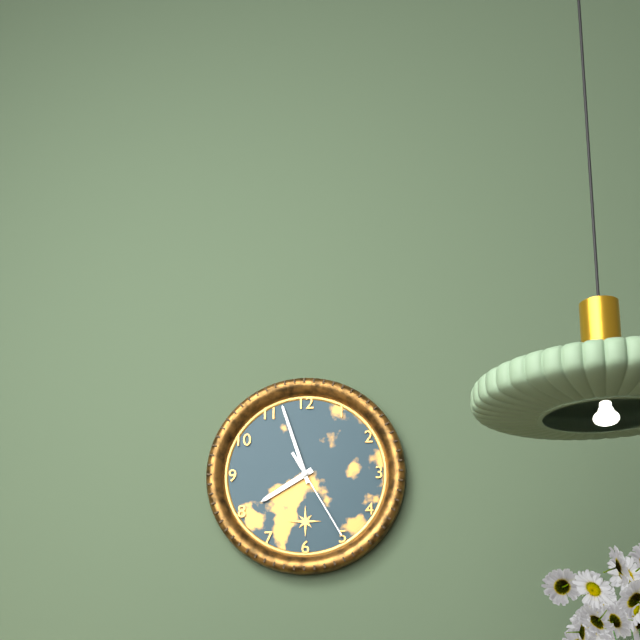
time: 7:57:25
